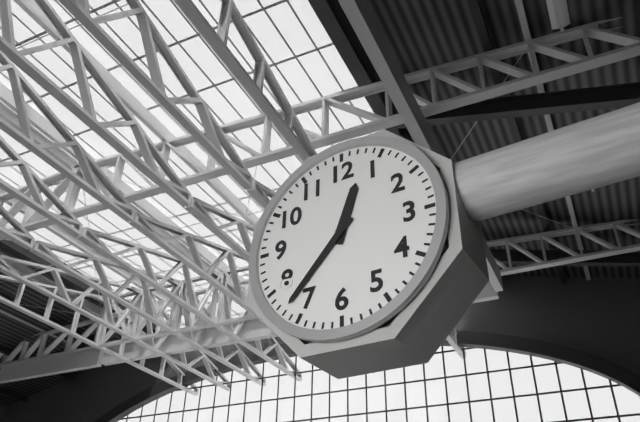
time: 12:37
